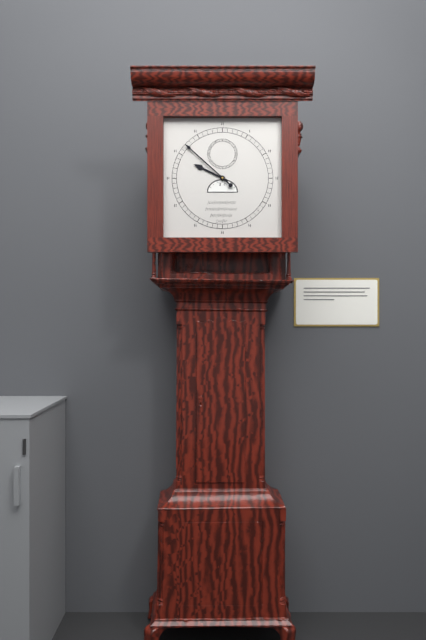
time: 9:52
